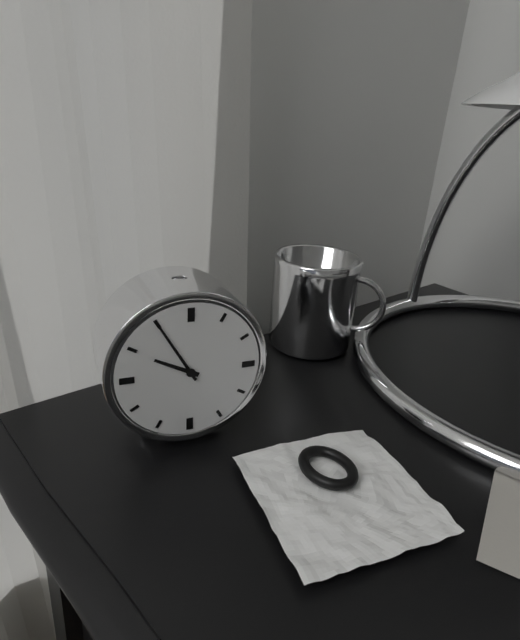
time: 9:55
